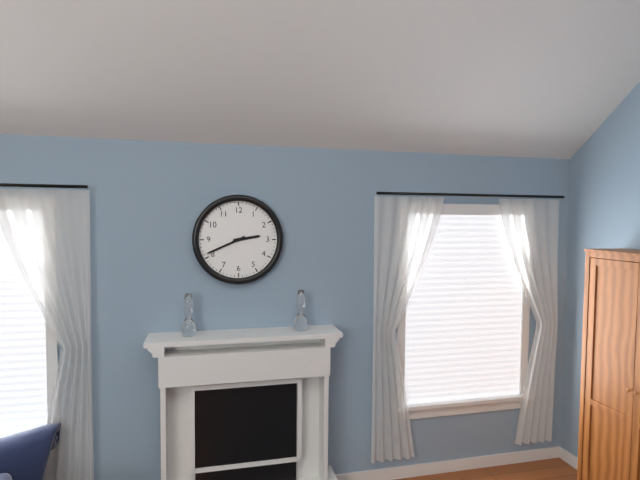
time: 2:41
